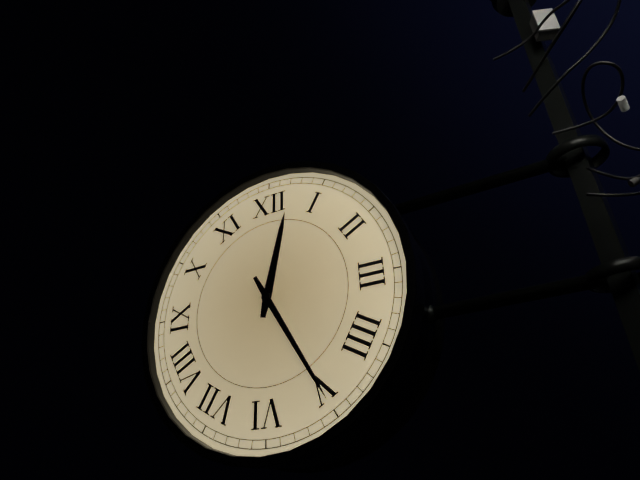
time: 12:25
